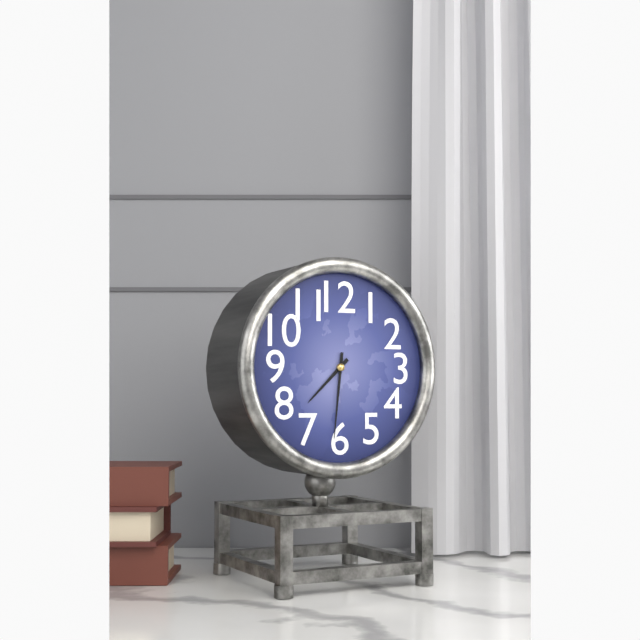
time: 7:31
